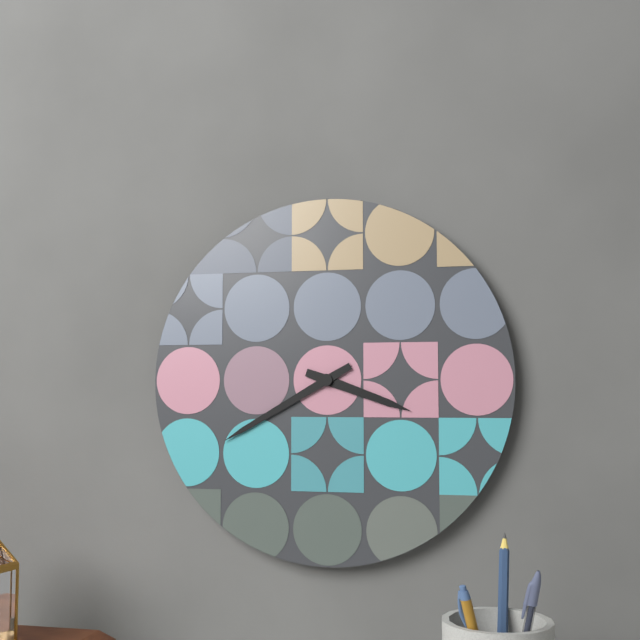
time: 3:40
